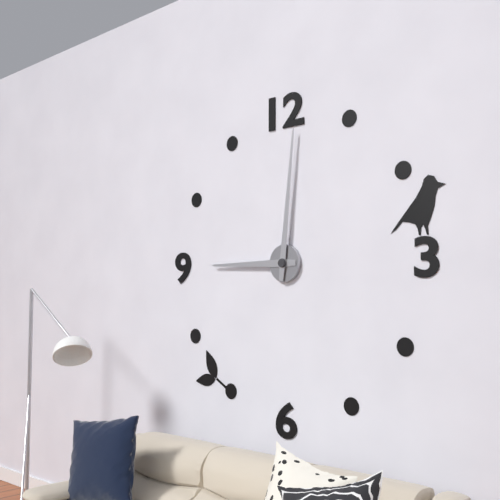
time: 9:01
